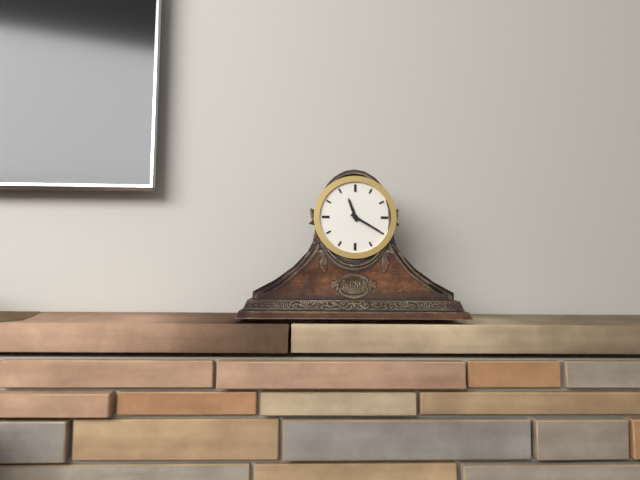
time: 11:20
